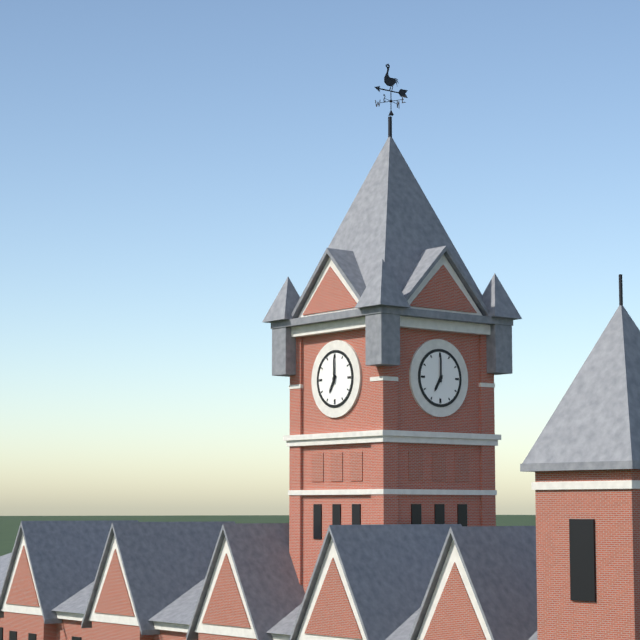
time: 7:00
